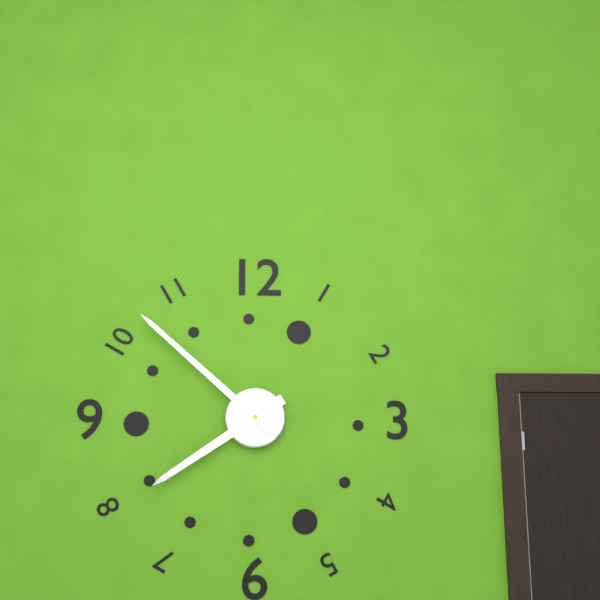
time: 7:52
